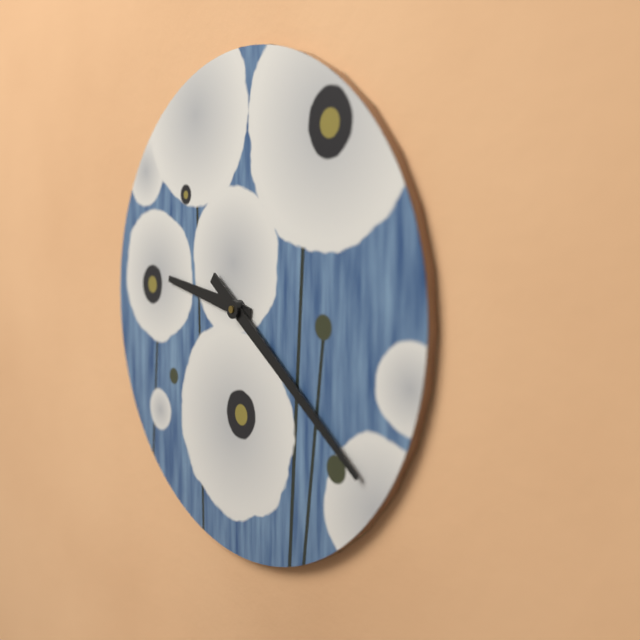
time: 9:21
